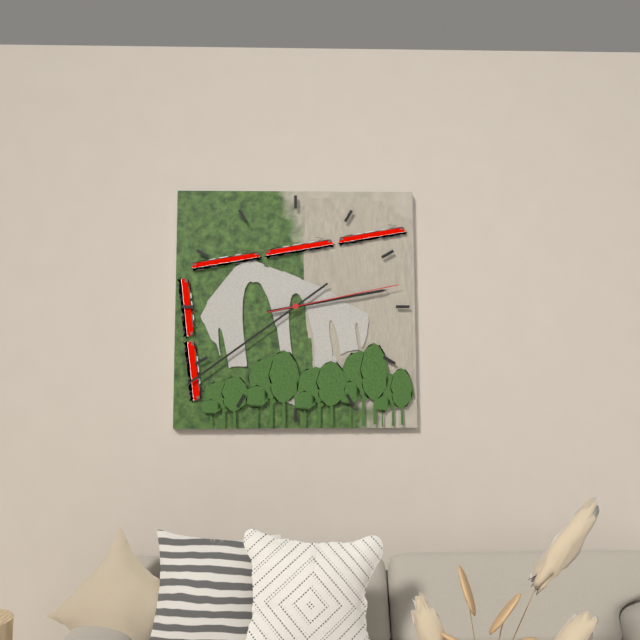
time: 2:39:13
